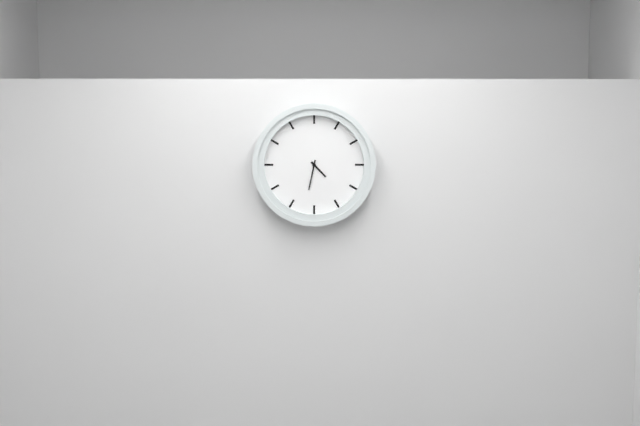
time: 4:32
